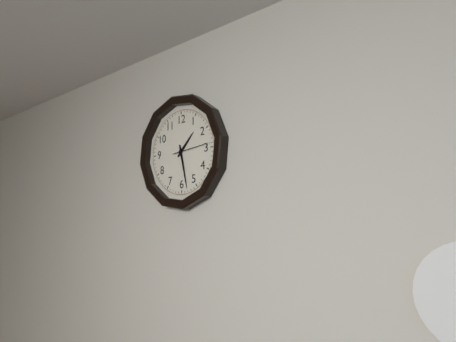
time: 1:28
